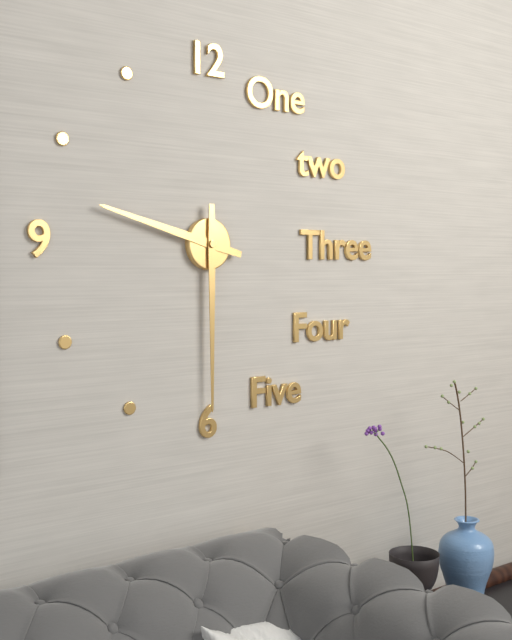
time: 9:30
